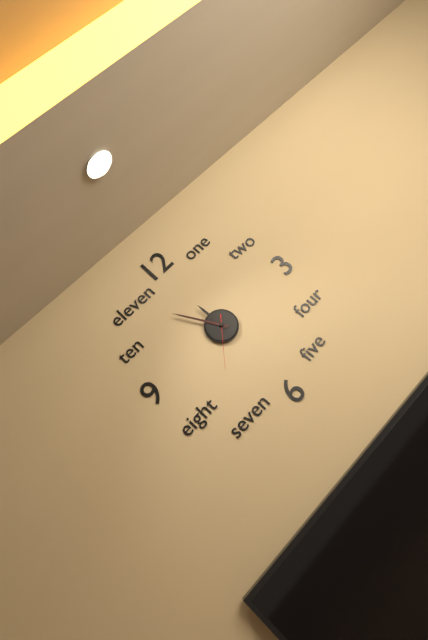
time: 11:55:37
